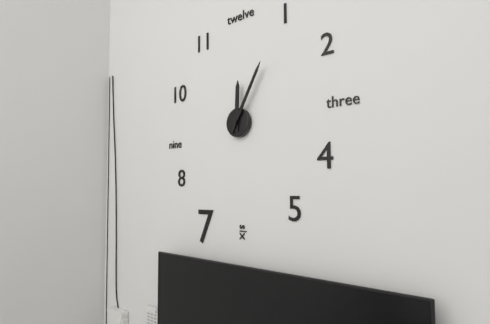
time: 12:05
